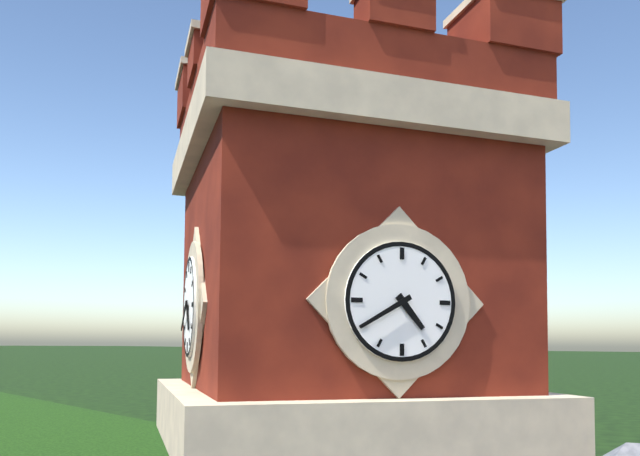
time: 4:40
